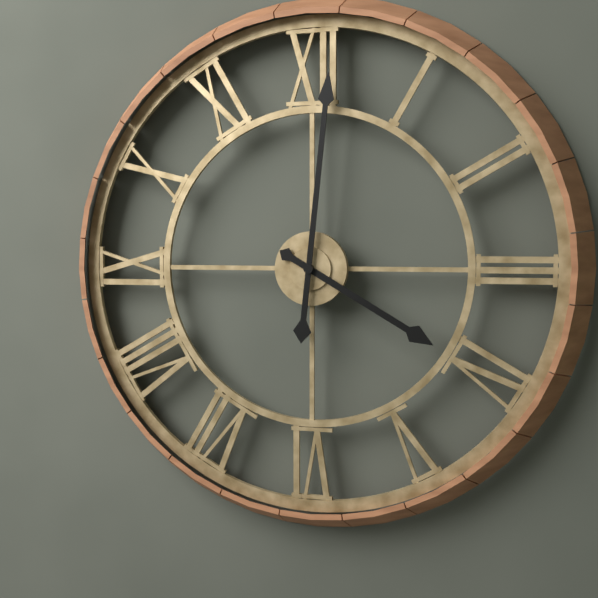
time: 4:01
